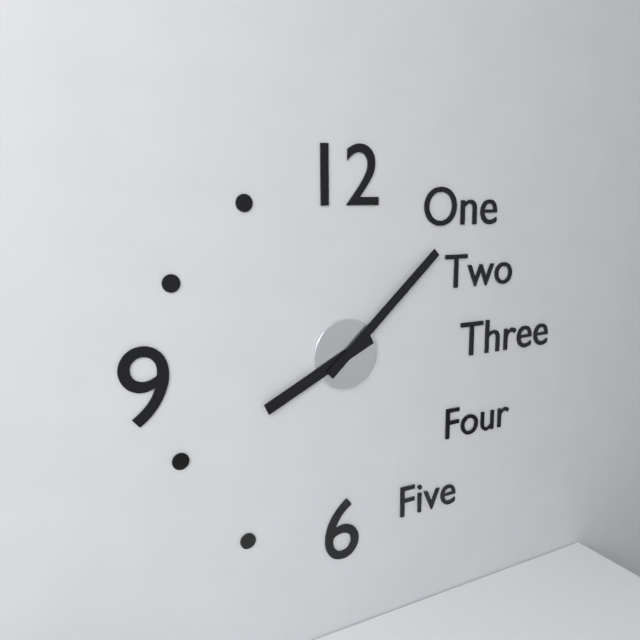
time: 8:08
